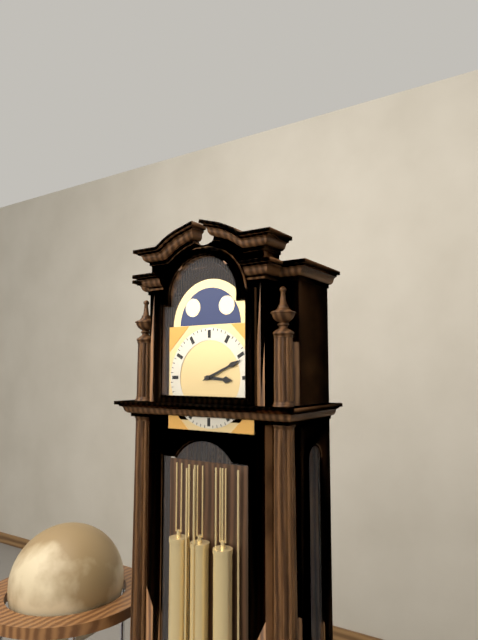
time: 3:11
